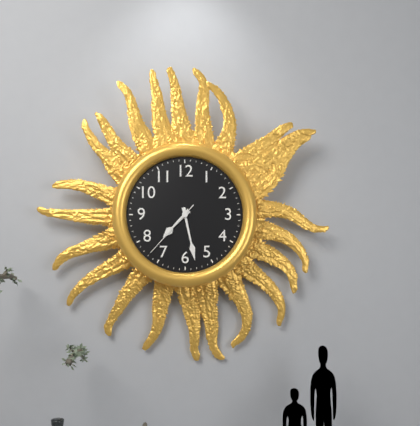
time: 7:28:37
